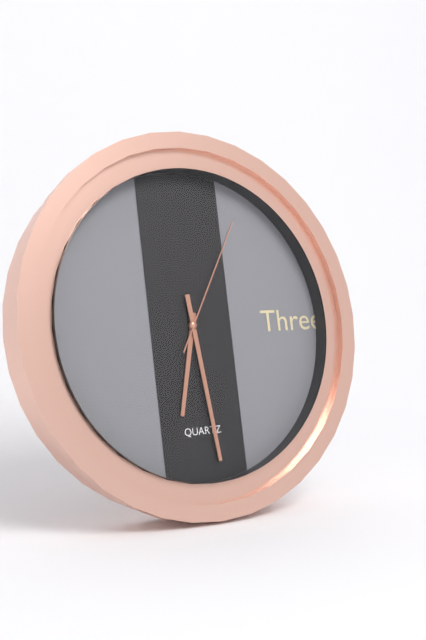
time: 6:29:05
